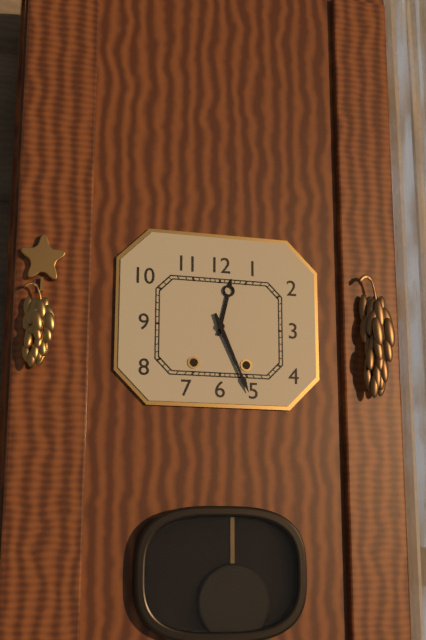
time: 12:26
